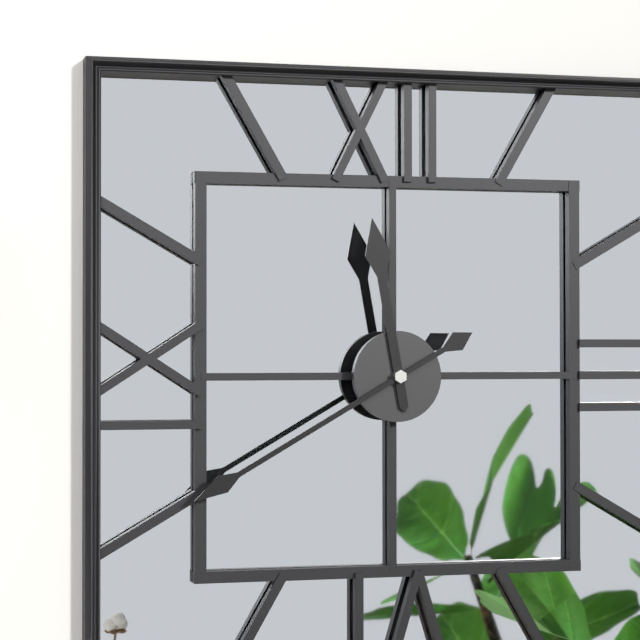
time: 11:40
